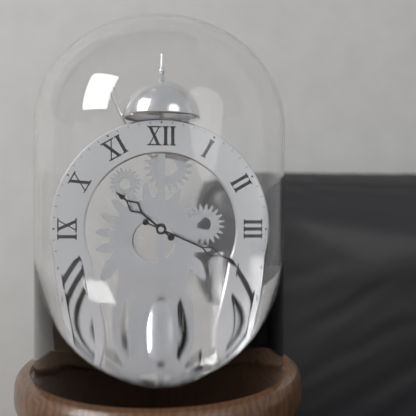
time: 10:19
